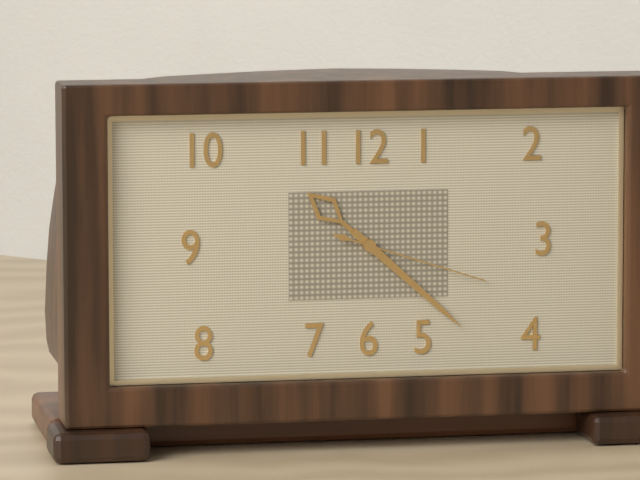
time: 10:22:18
